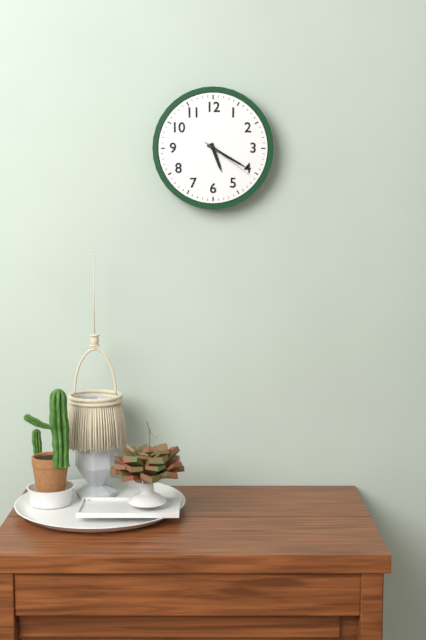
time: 5:20:21
